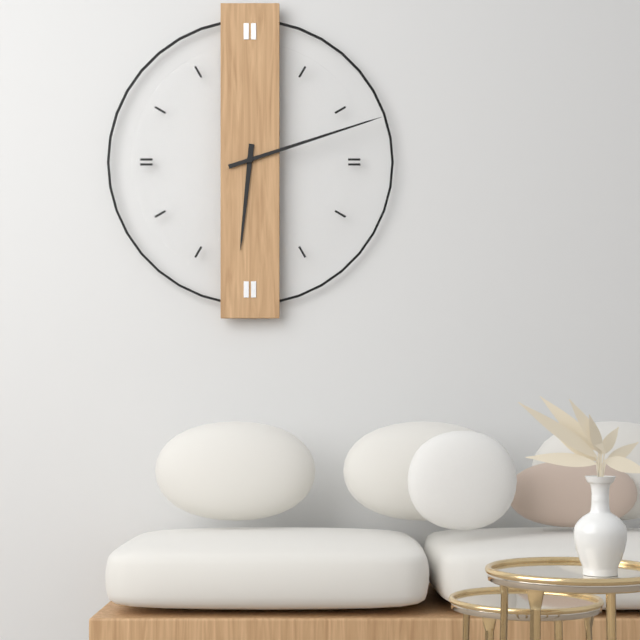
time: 6:12
